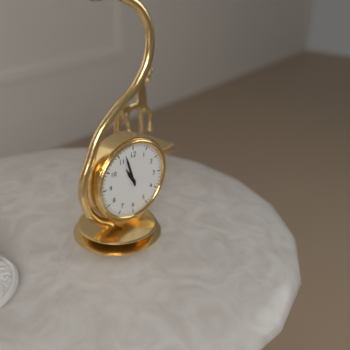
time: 10:57
